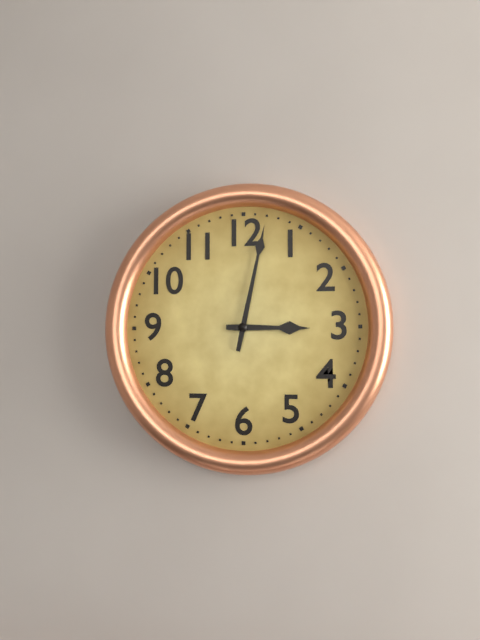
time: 3:02
